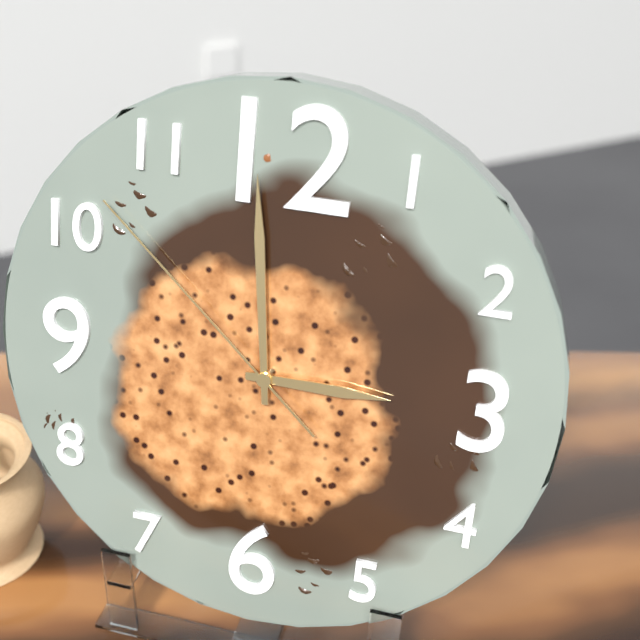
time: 2:59:52
